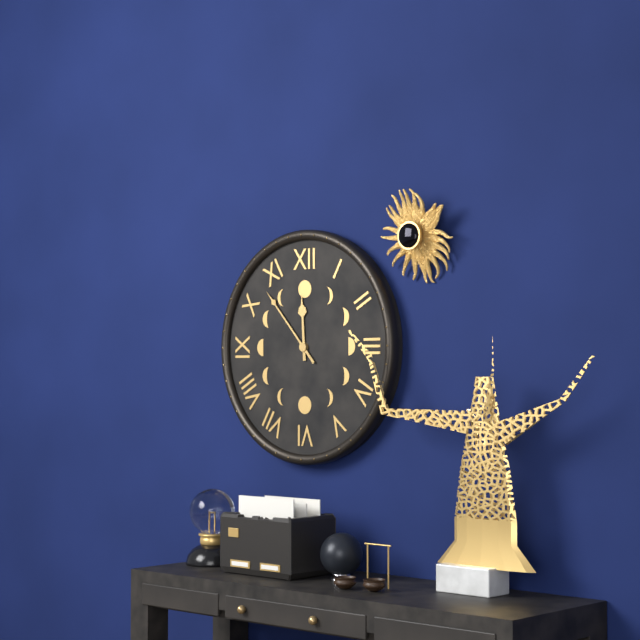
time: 11:53
